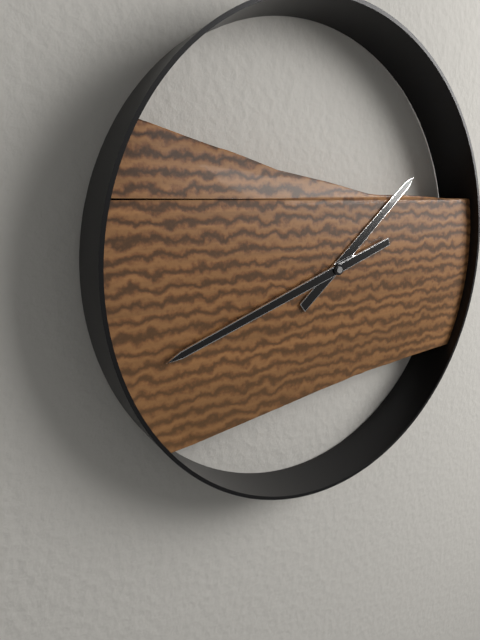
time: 1:42
